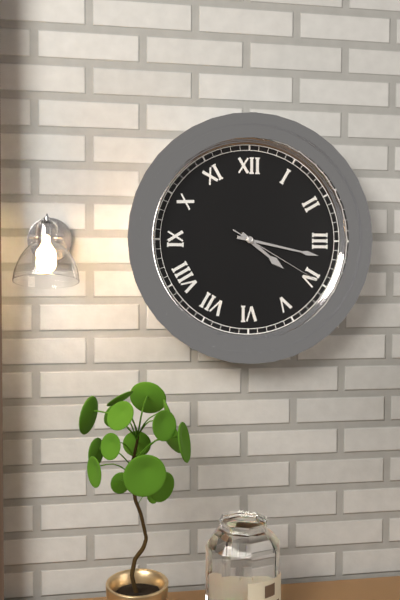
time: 4:17:20
